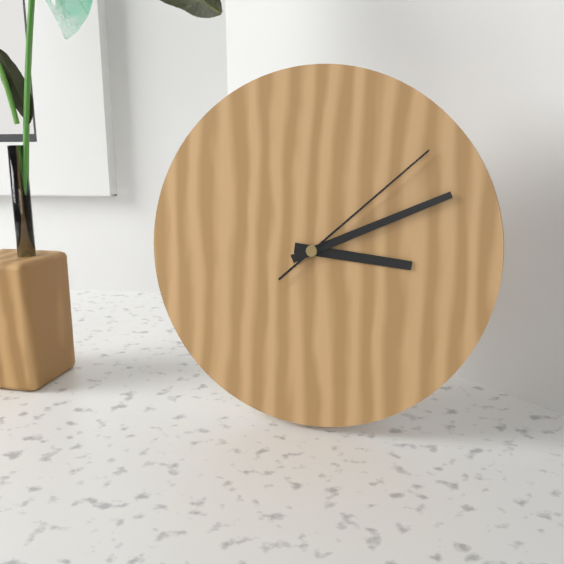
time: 3:11:08
